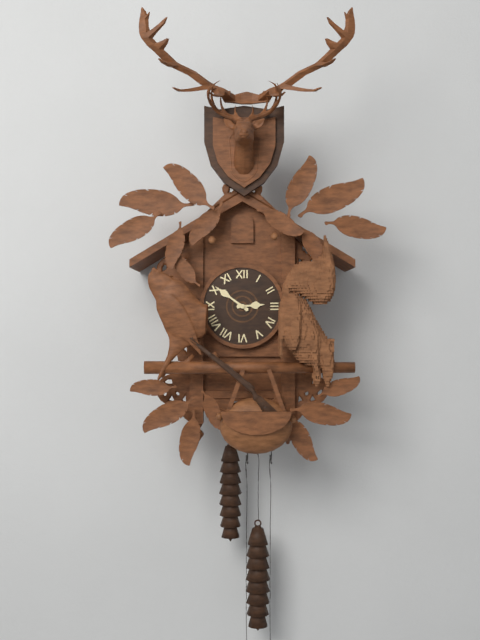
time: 2:51
